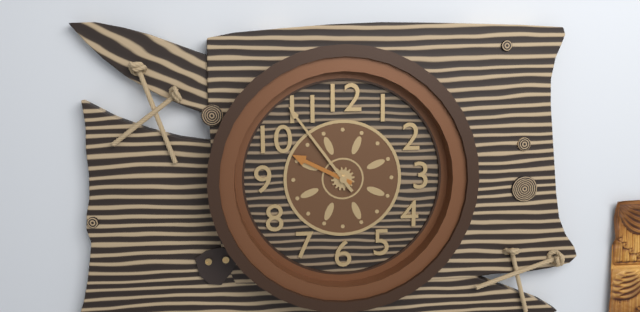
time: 9:54
